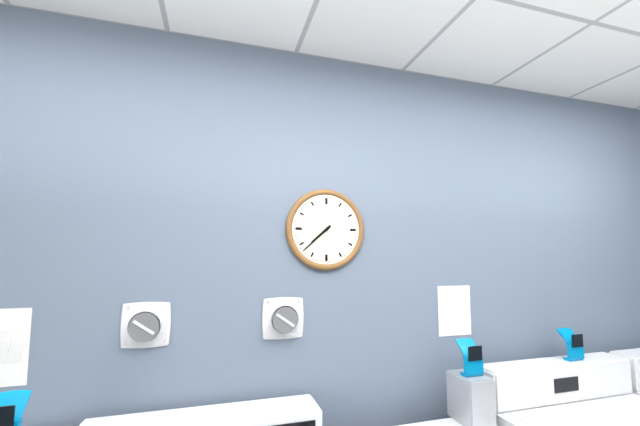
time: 7:38
